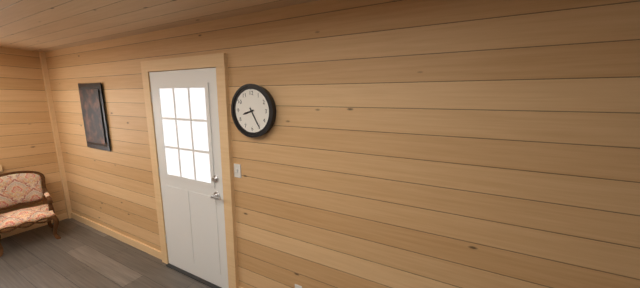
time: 8:25
